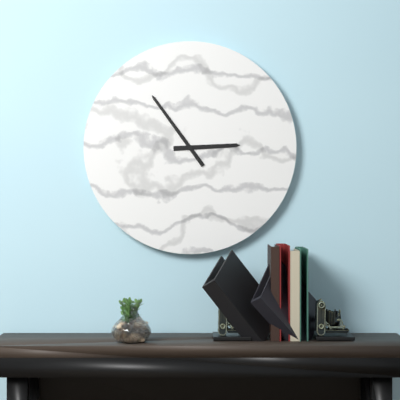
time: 2:54
